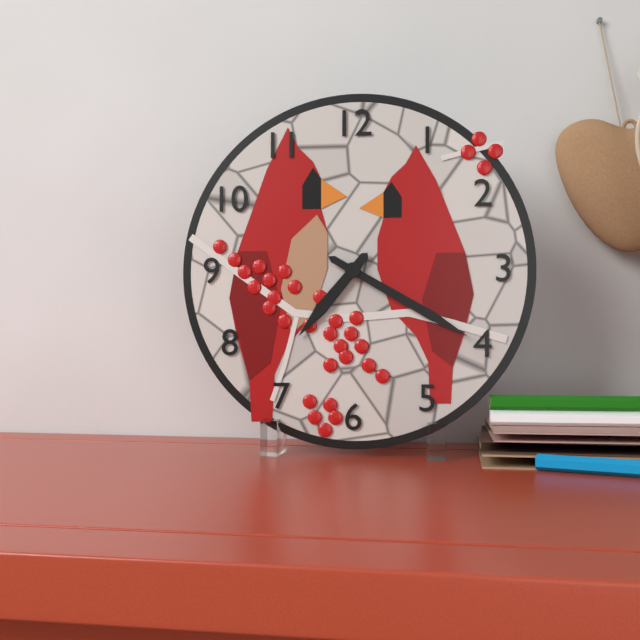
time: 7:20
